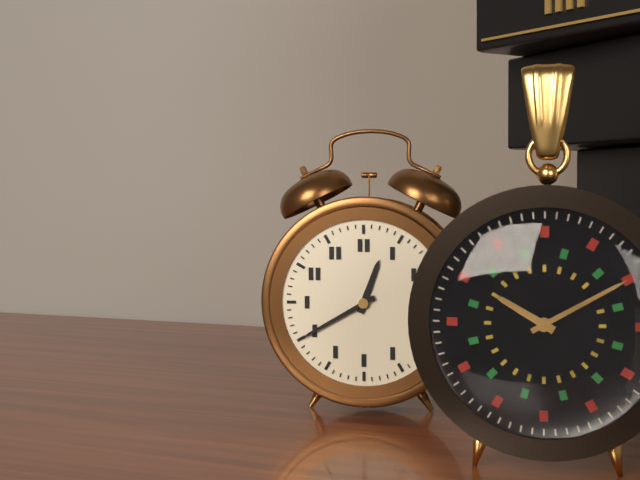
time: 12:40
